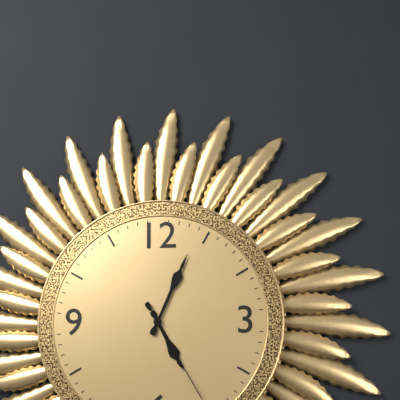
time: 5:04
